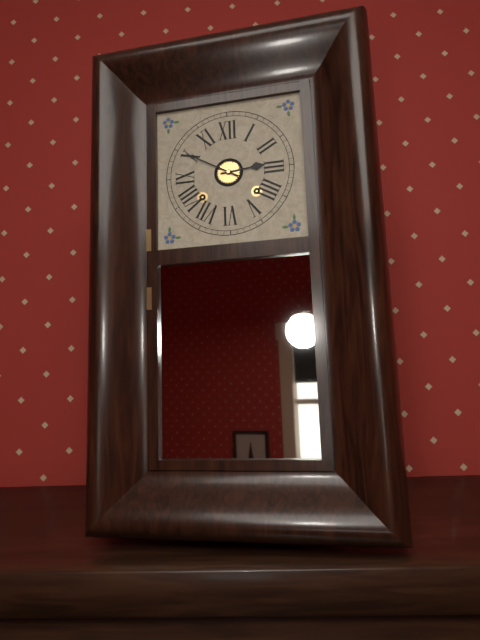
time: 2:50
